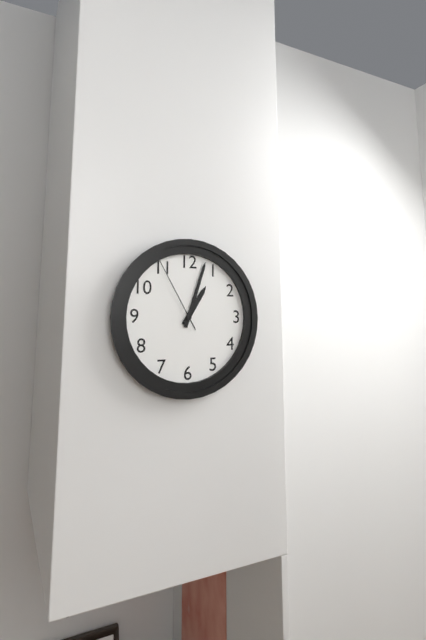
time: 1:03:55
